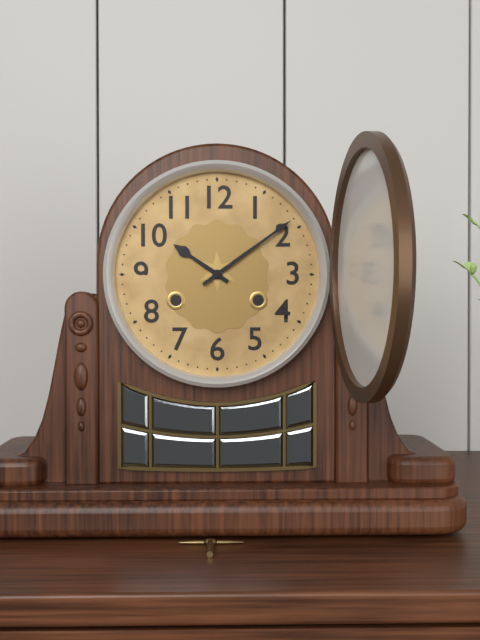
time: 10:09
